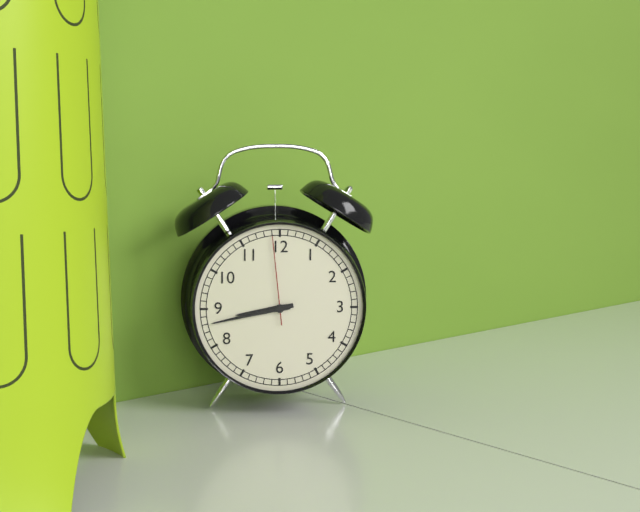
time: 8:43:59
